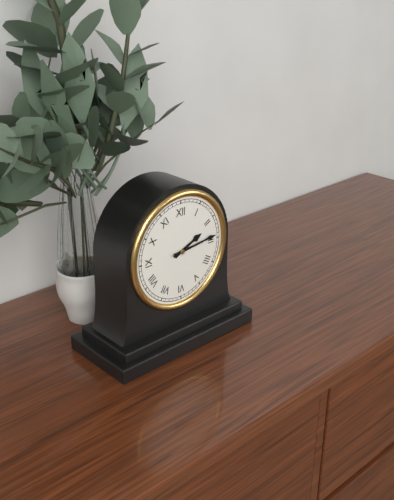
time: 2:14
